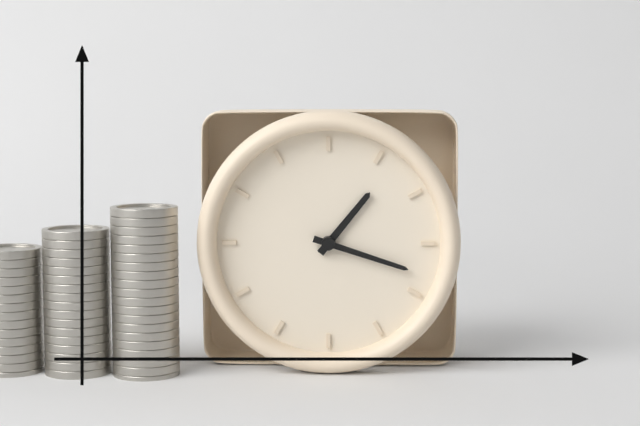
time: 1:18
